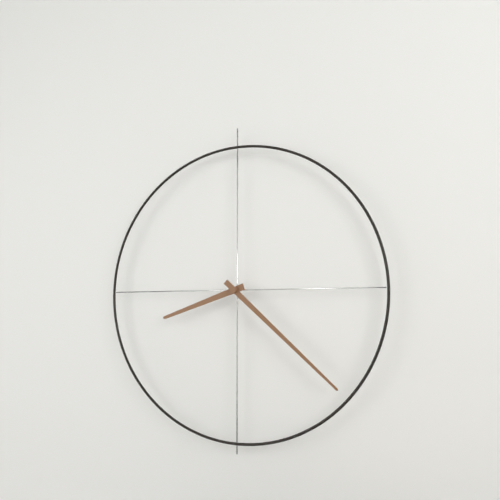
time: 8:22
